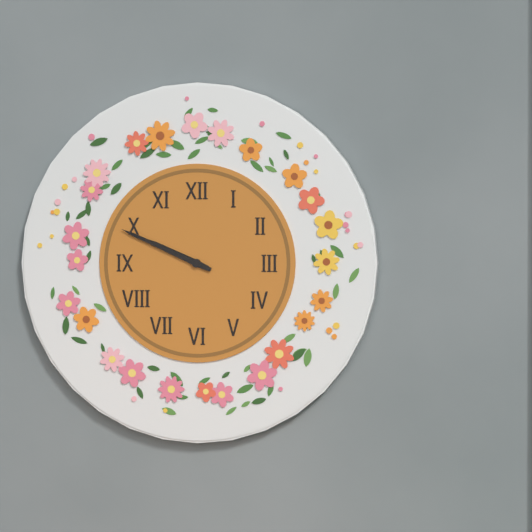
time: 9:49
